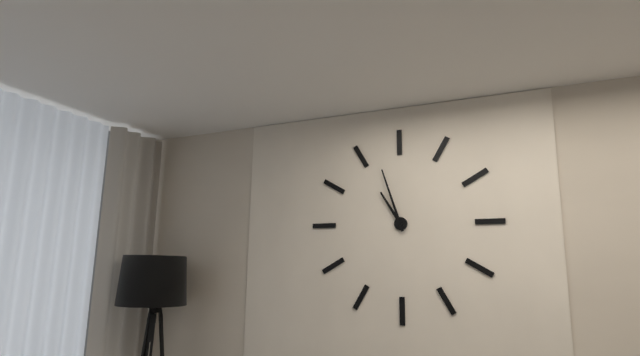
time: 10:57
